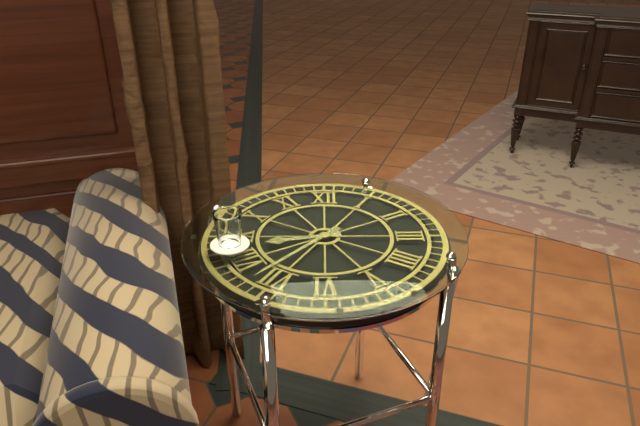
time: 8:37
